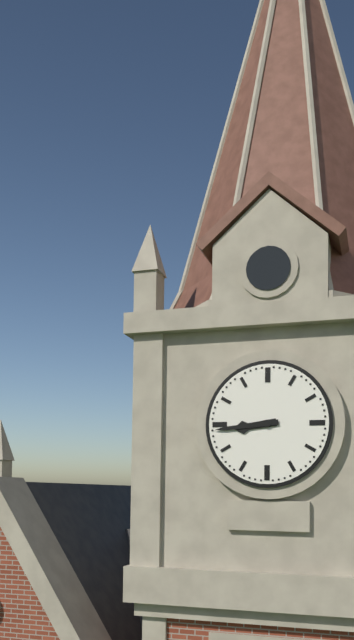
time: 8:44
